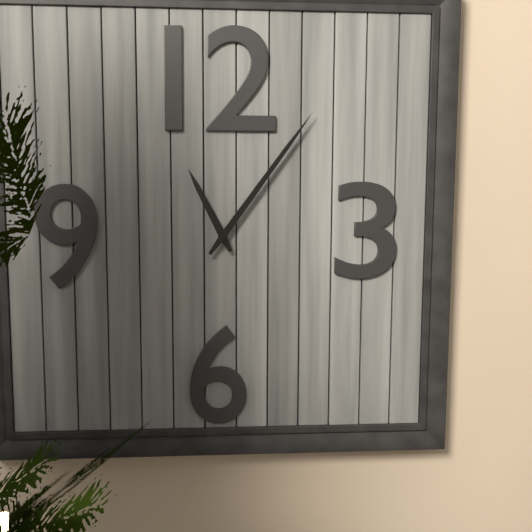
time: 11:06
